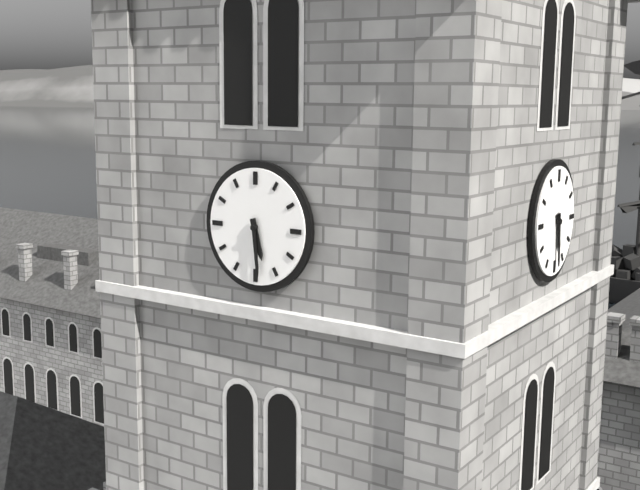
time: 5:29
